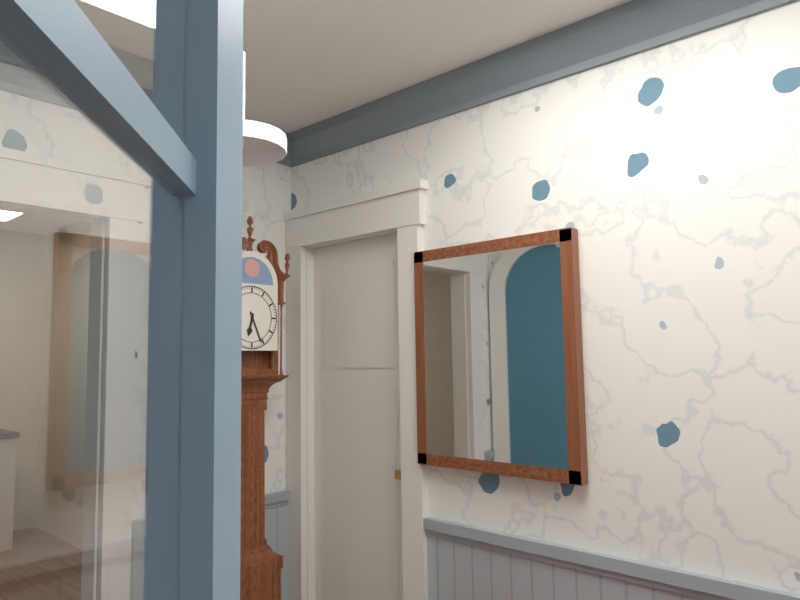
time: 6:26
